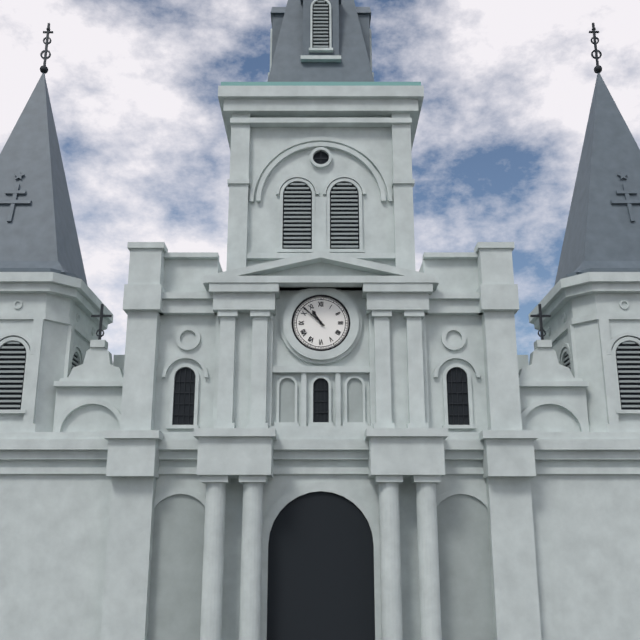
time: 10:52
